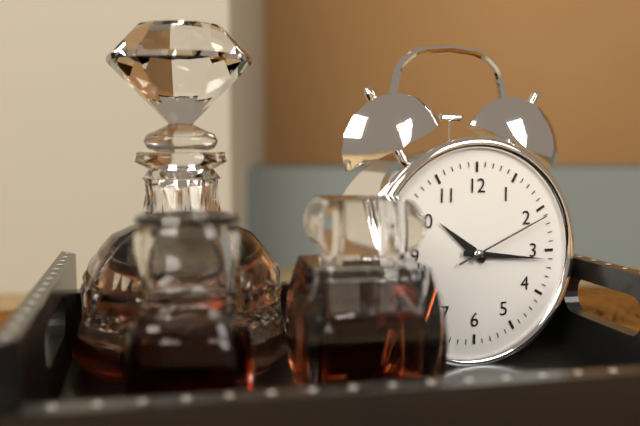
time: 10:16:11
